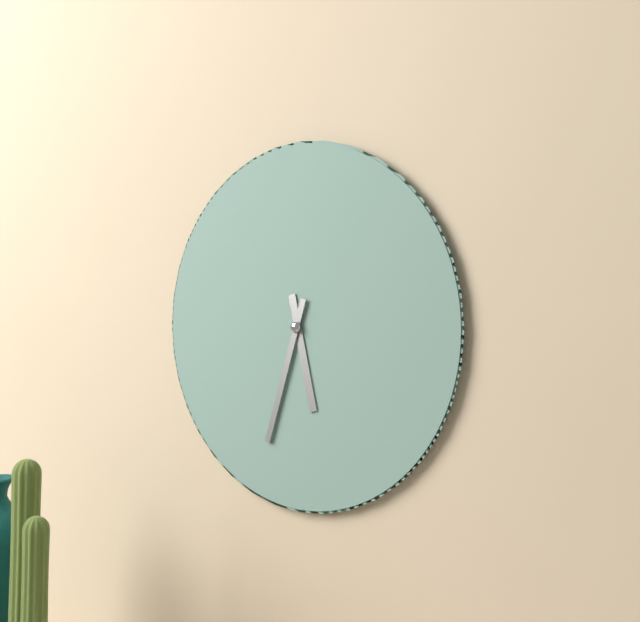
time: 5:33
